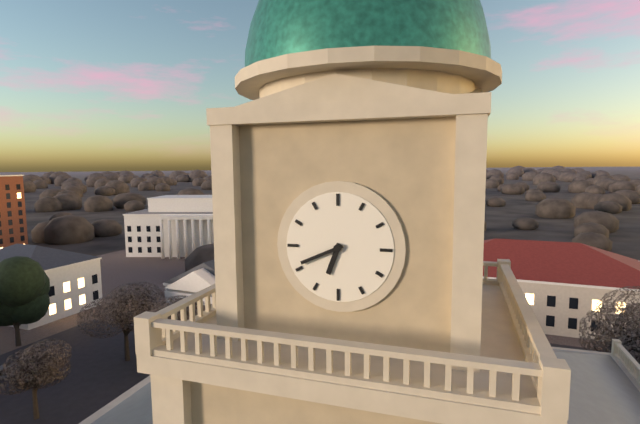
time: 6:41
